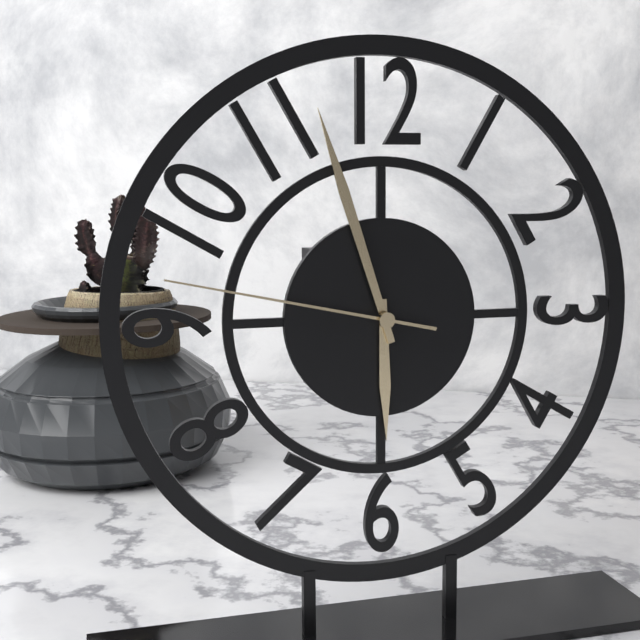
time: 5:57:47
